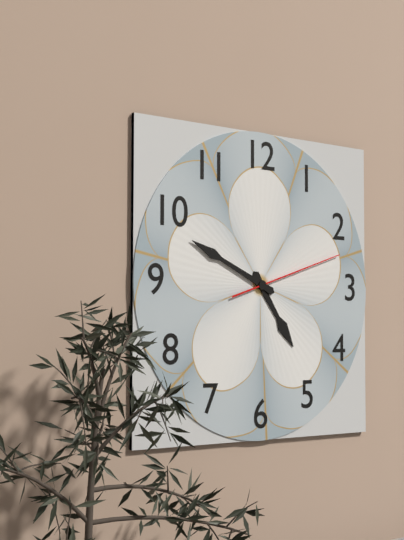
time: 4:49:12
